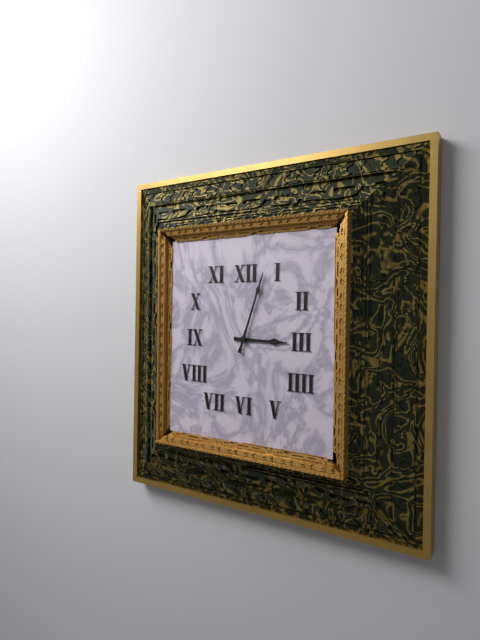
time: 3:03
